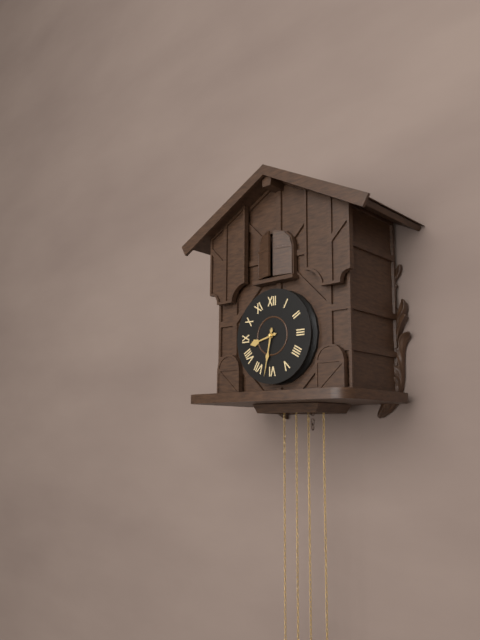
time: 8:32
